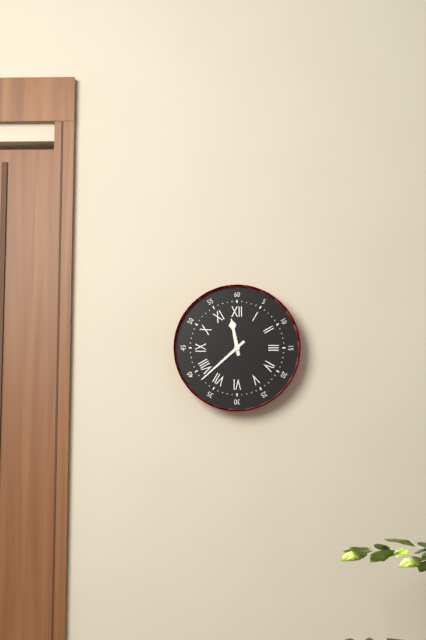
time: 11:38
